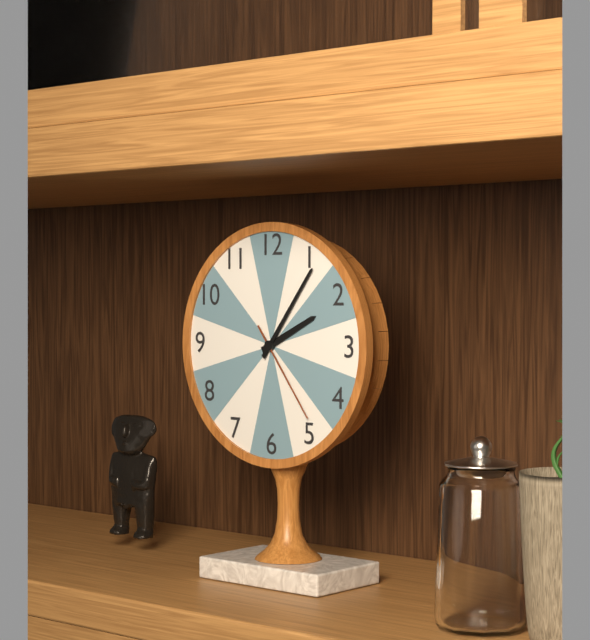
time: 2:06:24
